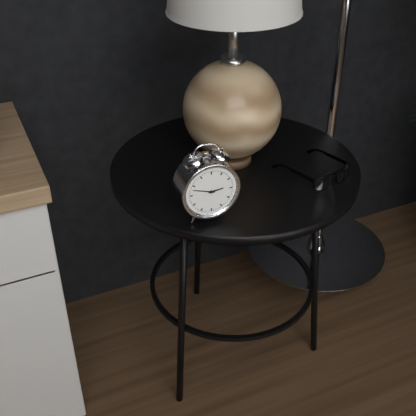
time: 2:48
